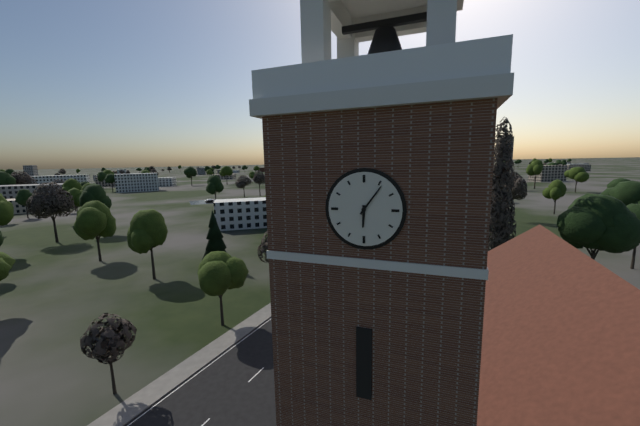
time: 6:06
